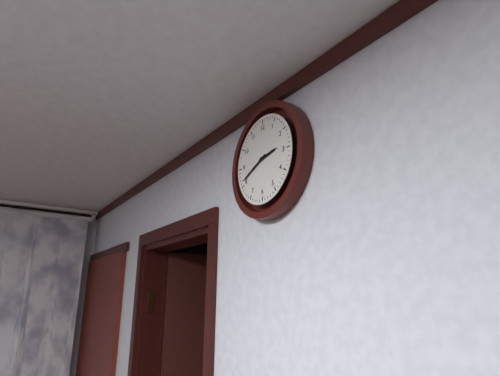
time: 2:41
